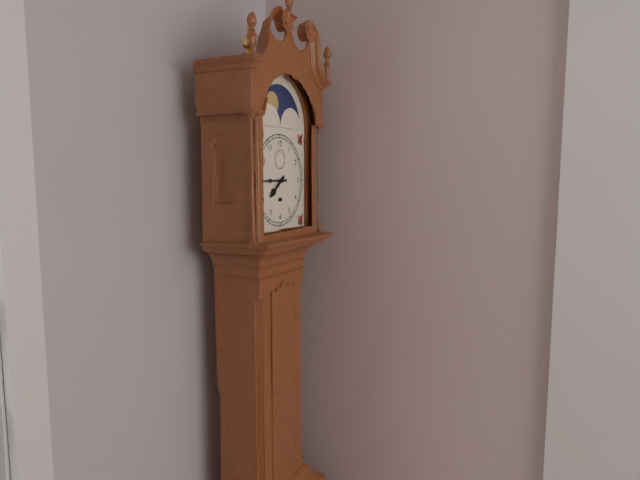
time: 7:45
